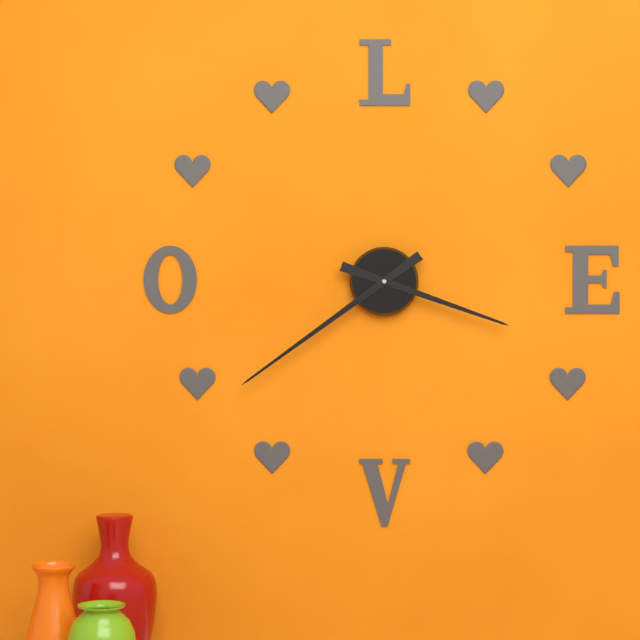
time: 3:39
